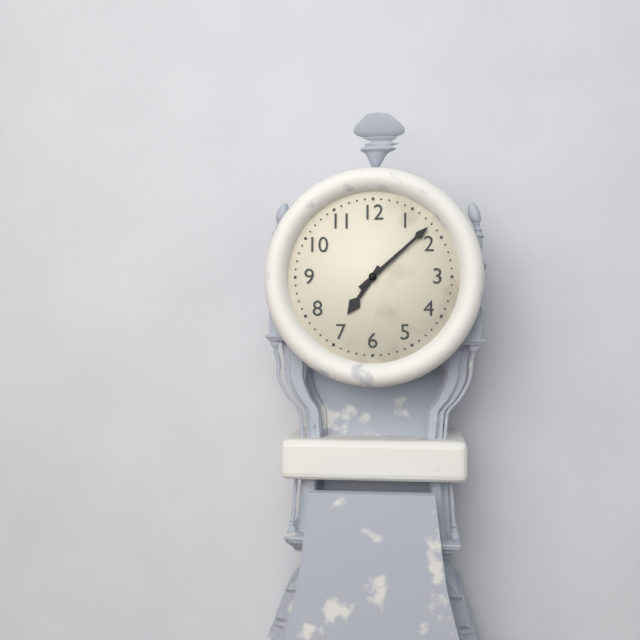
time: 7:08
